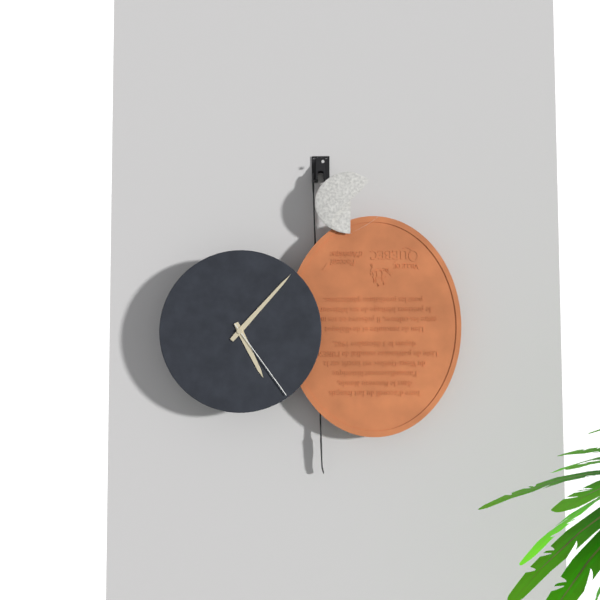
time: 5:07:24
